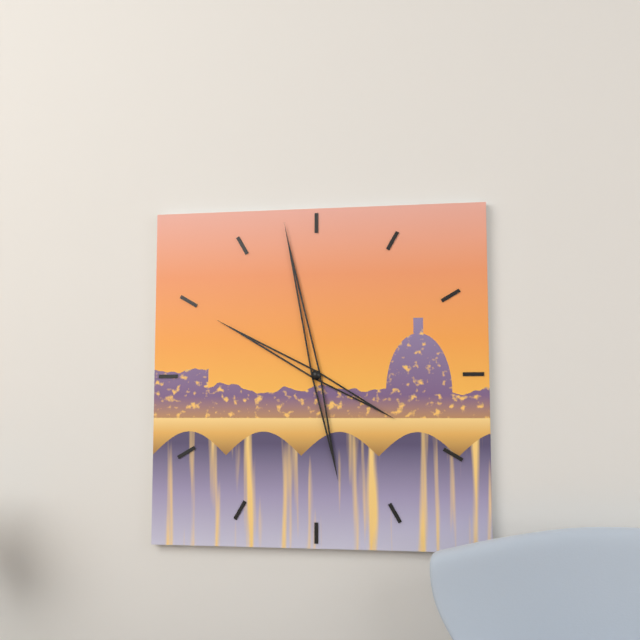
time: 9:58
